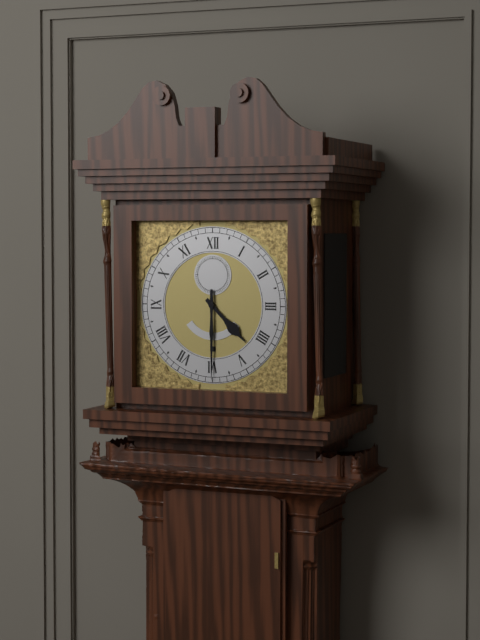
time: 4:30
